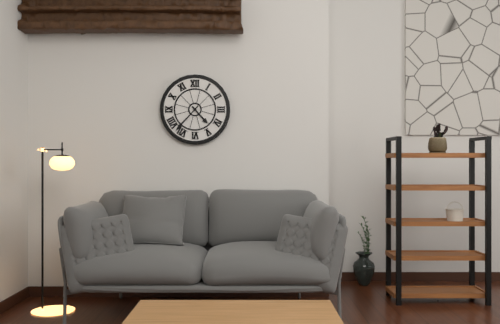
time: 4:37
